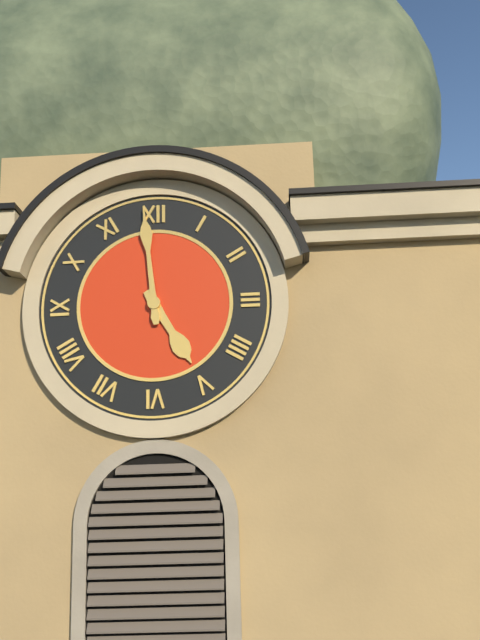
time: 4:59
